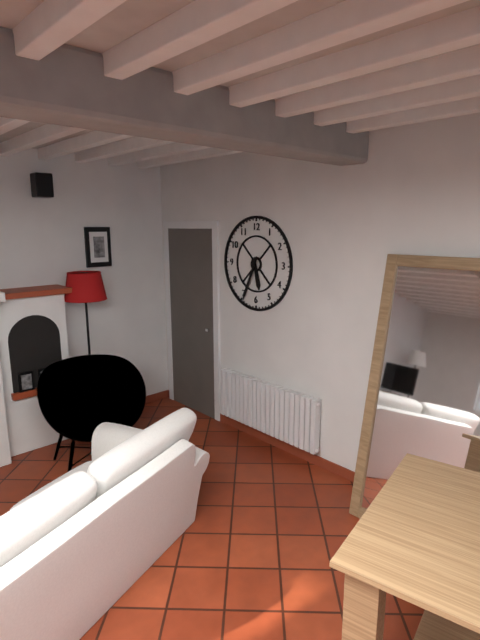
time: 5:34
